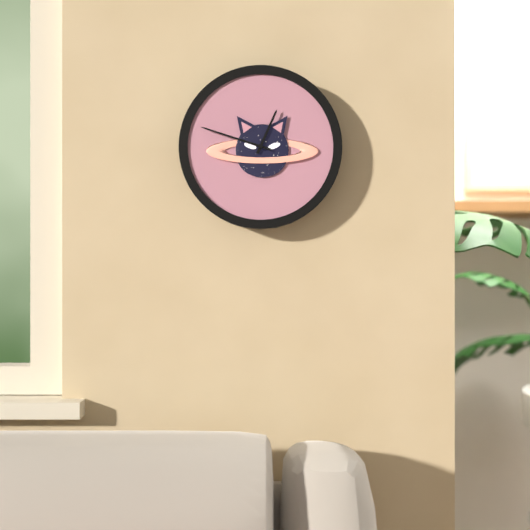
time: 12:48
